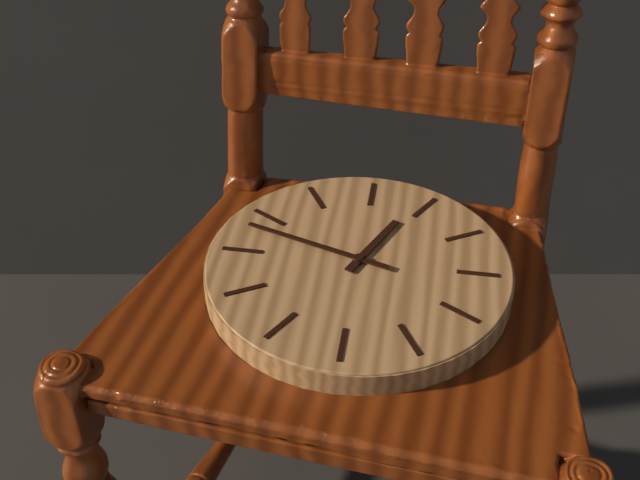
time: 12:48
